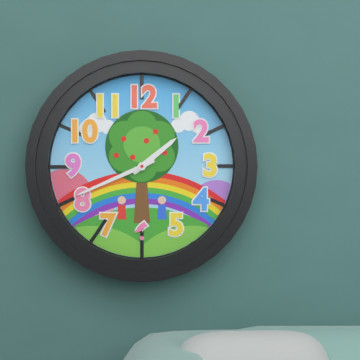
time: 1:41
